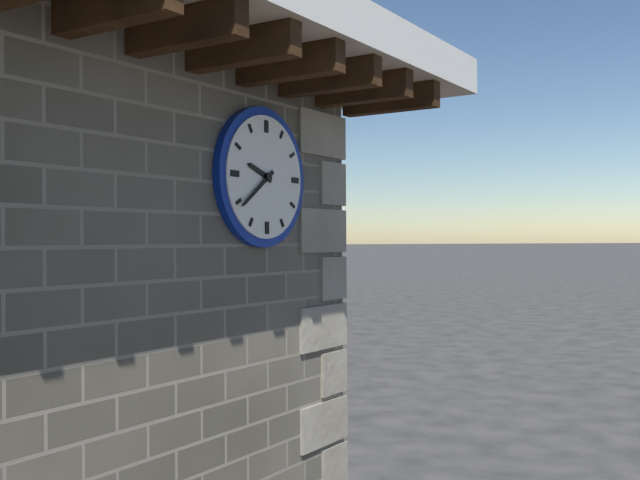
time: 9:39
